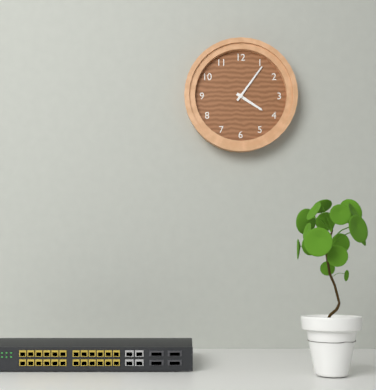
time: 4:06
